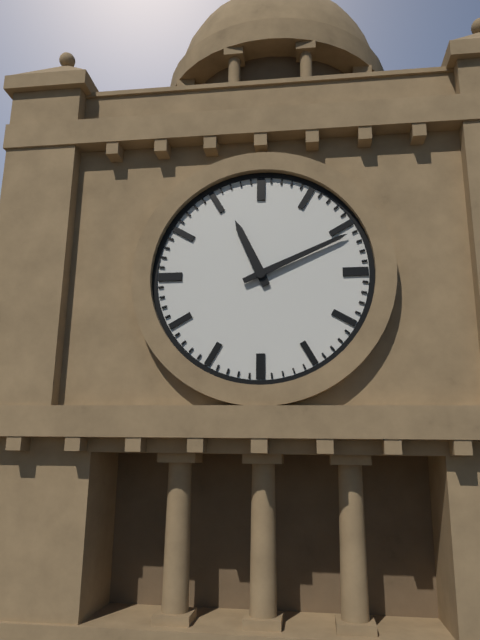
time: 11:11
